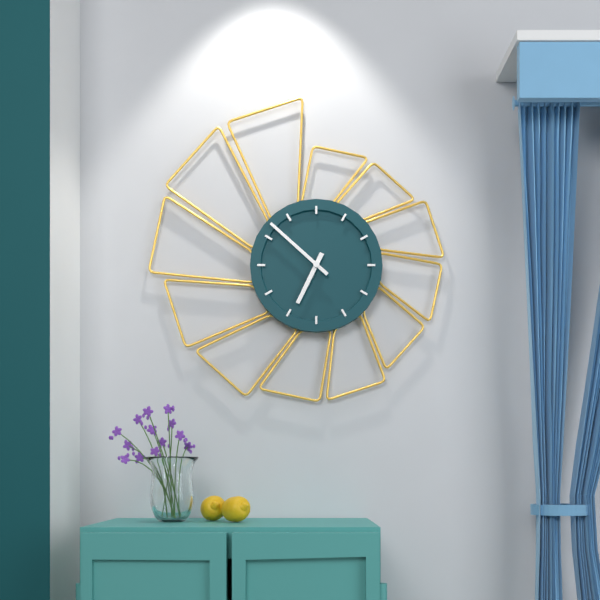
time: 6:52
